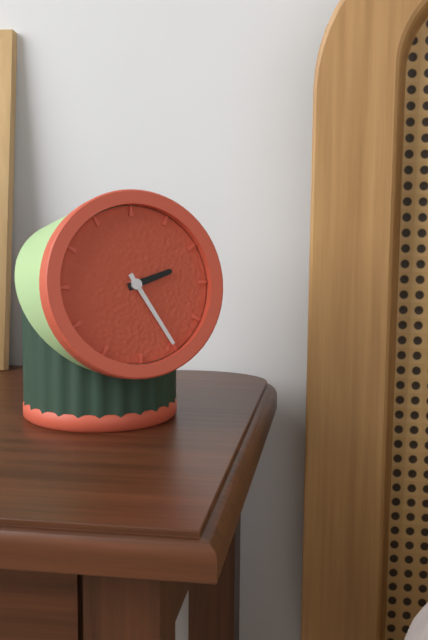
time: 2:25
